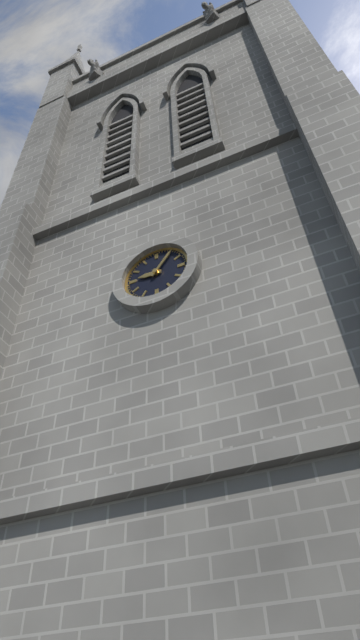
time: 9:06
